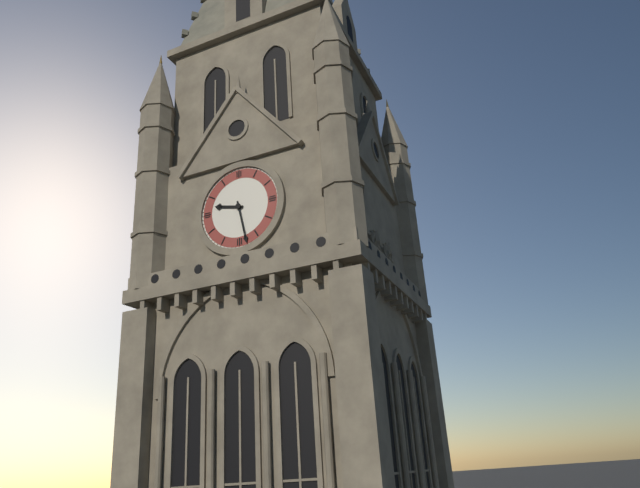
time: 9:28
